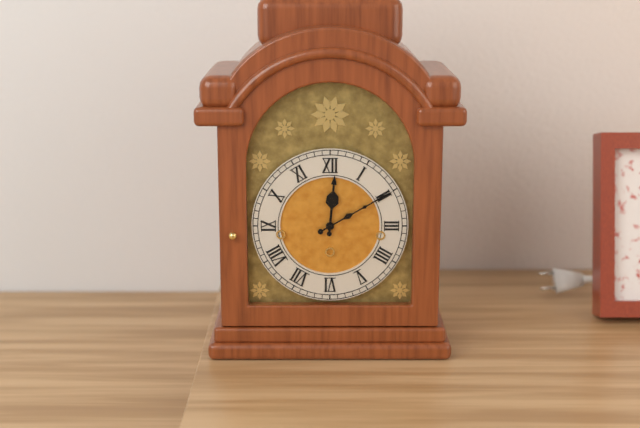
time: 12:10
